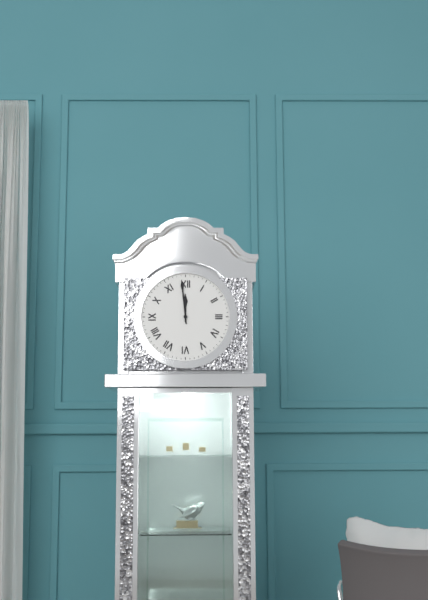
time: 11:59
